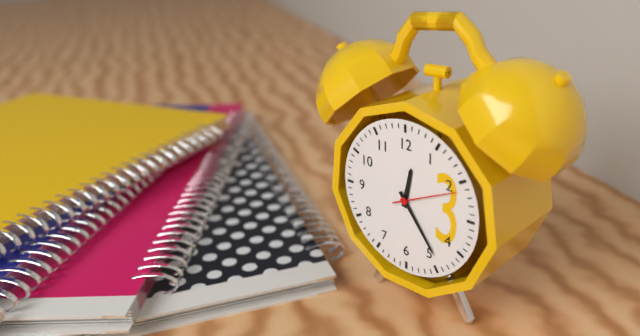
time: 12:24:11
